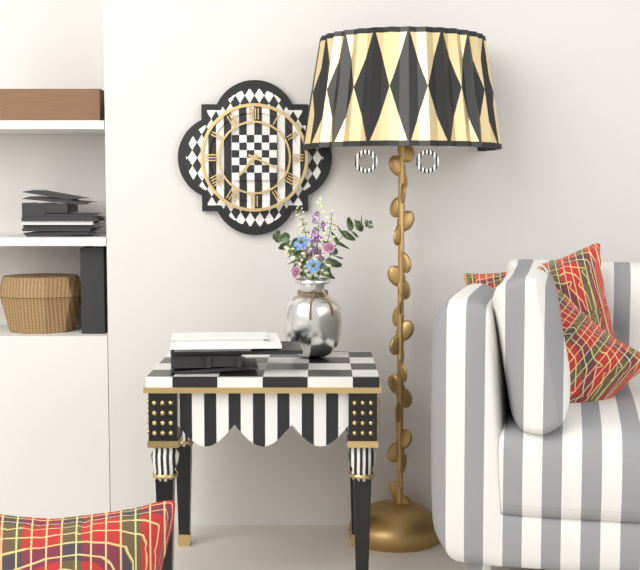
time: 7:19
